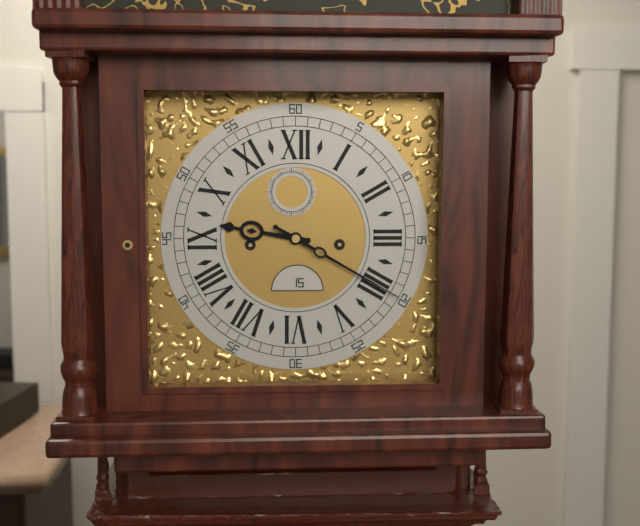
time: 9:20
